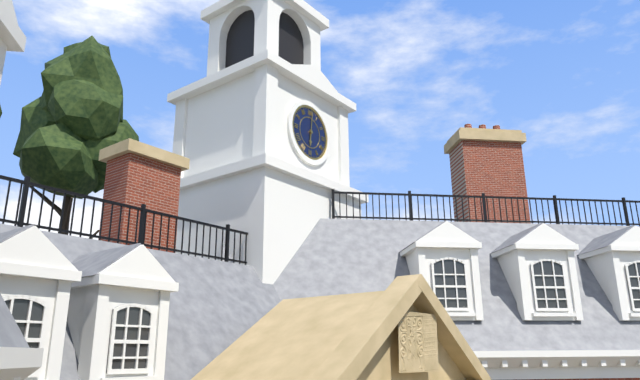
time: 6:01
